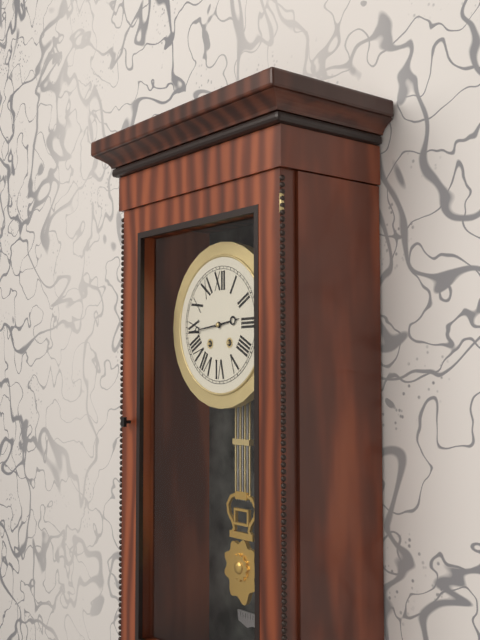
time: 2:44
